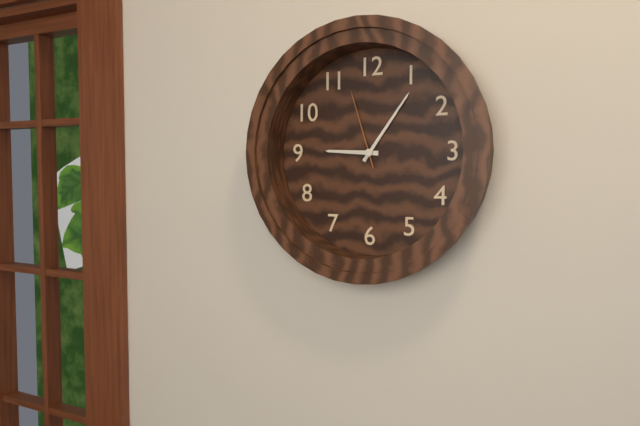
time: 9:06:57
